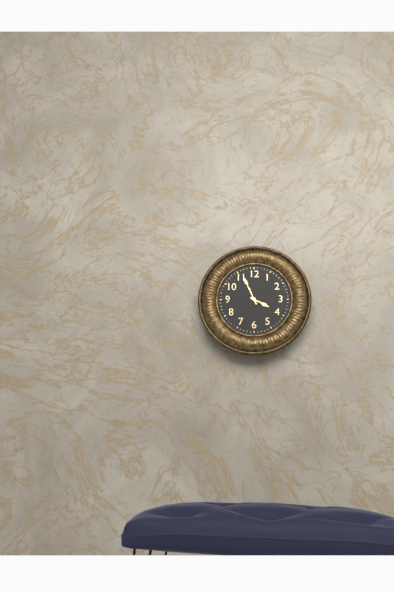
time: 3:56
